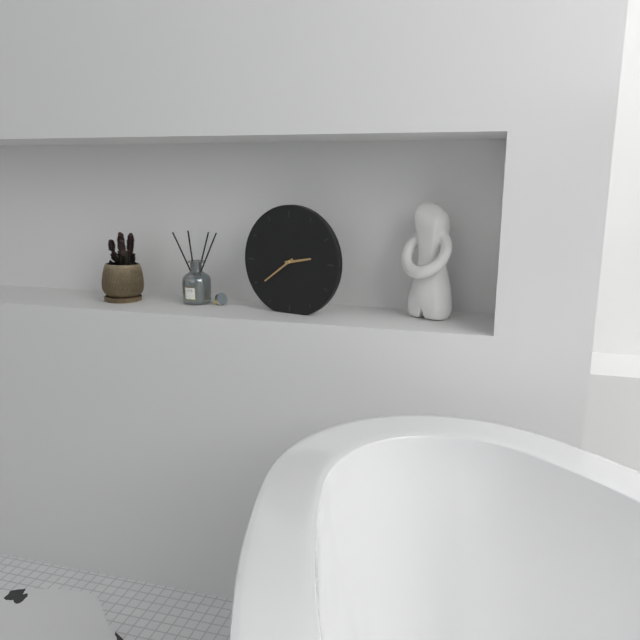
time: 2:39
